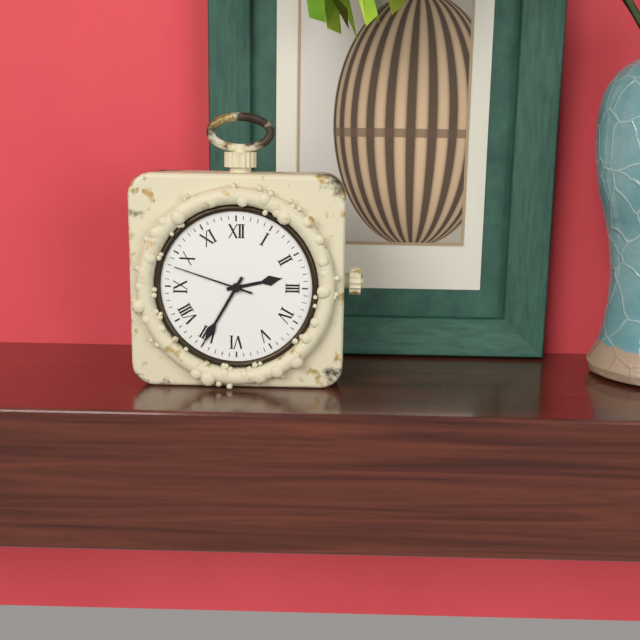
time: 2:35:48
